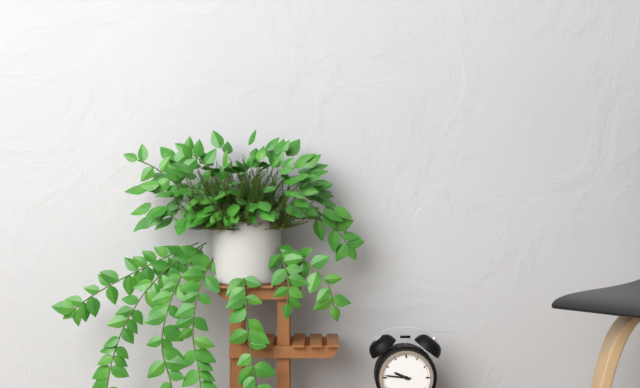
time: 9:46
